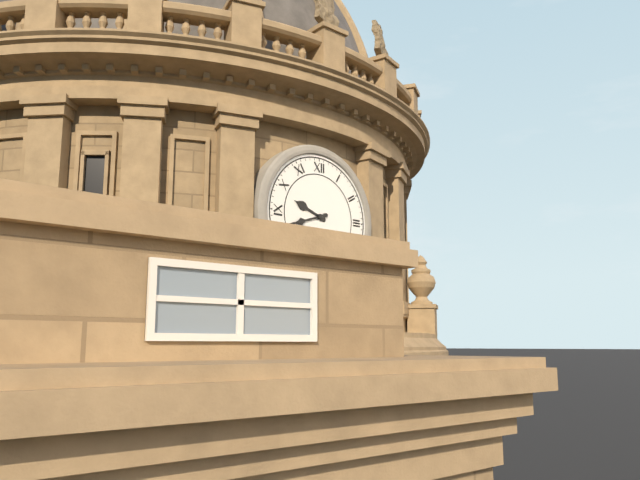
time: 9:42
